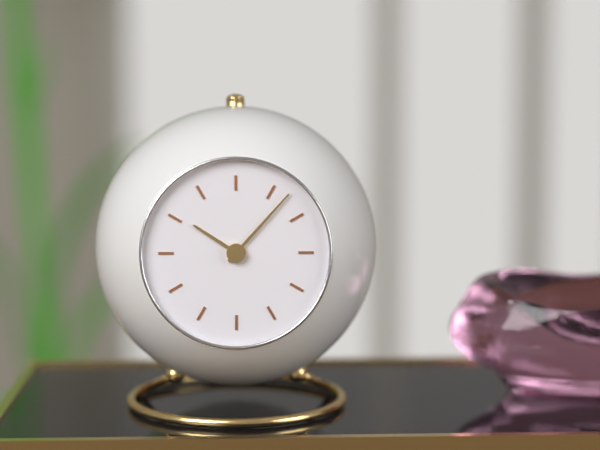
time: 10:07
